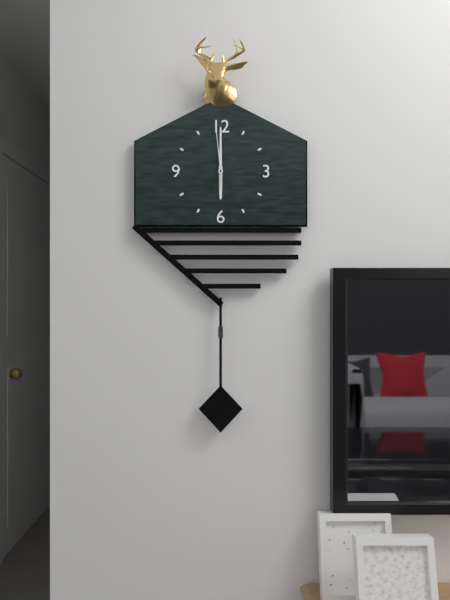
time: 6:00:59
